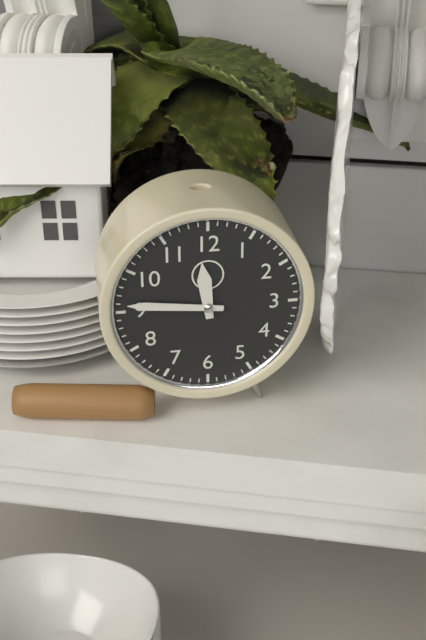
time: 11:46
